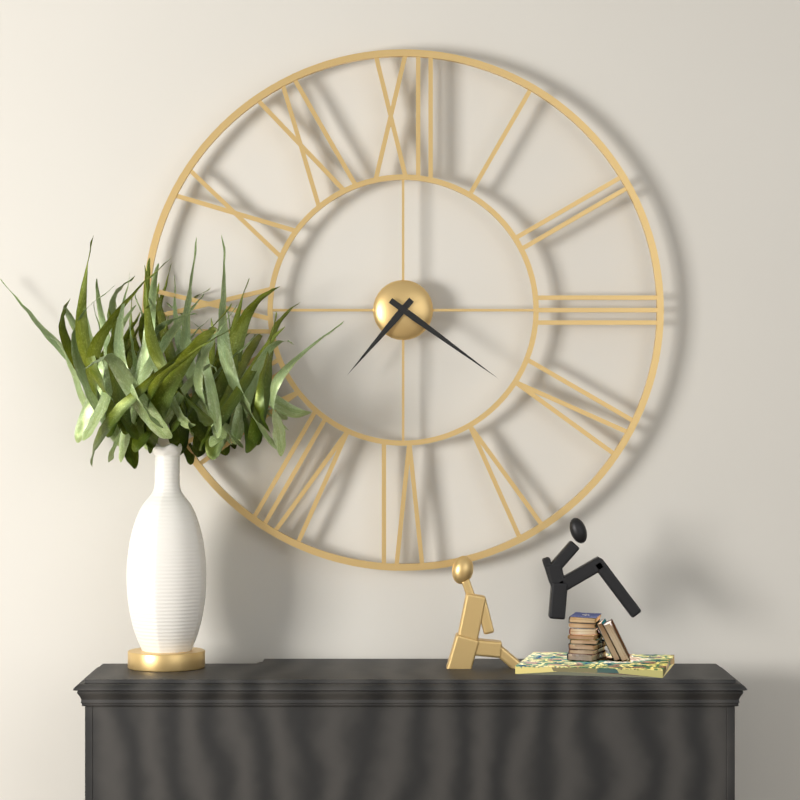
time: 7:21
